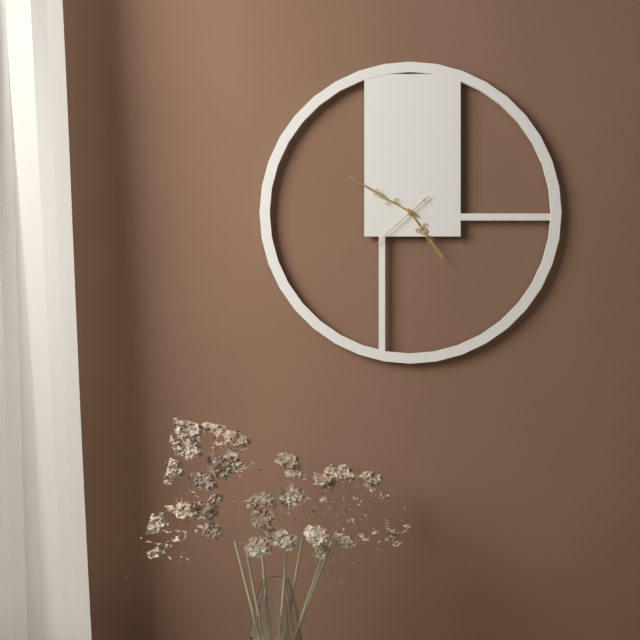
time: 4:50:38
